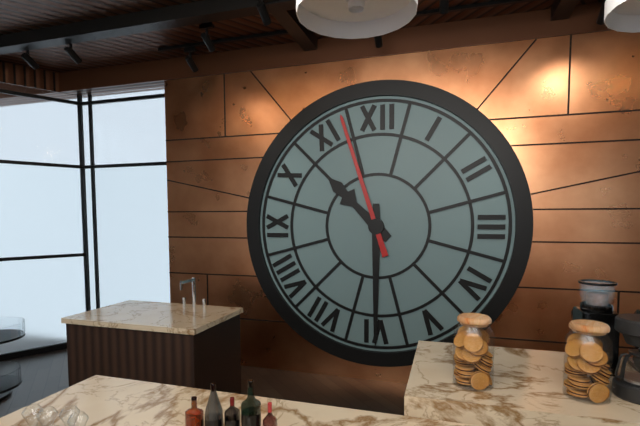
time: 10:30:57
